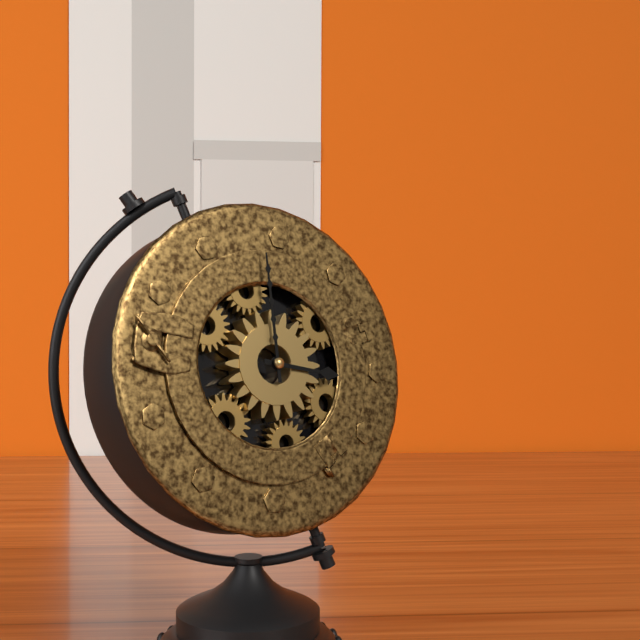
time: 2:58
